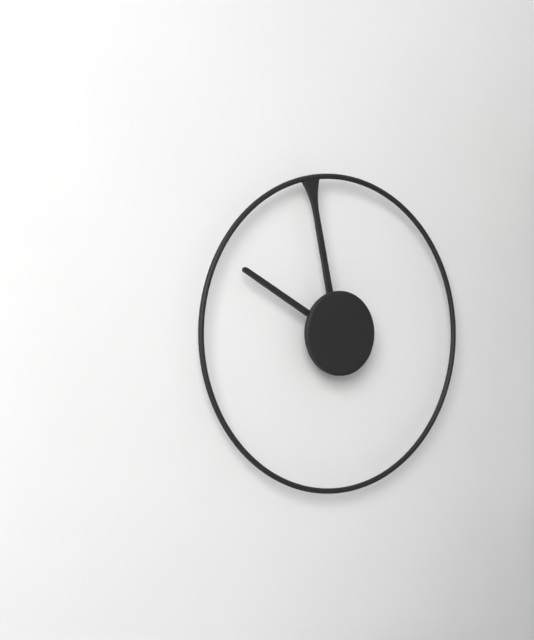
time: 9:58
